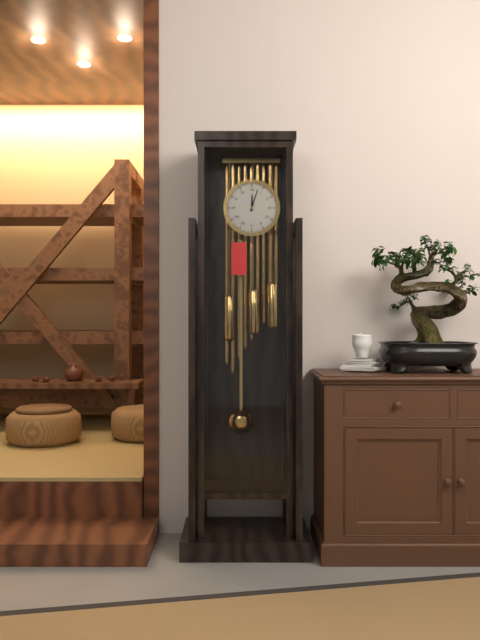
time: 12:03
